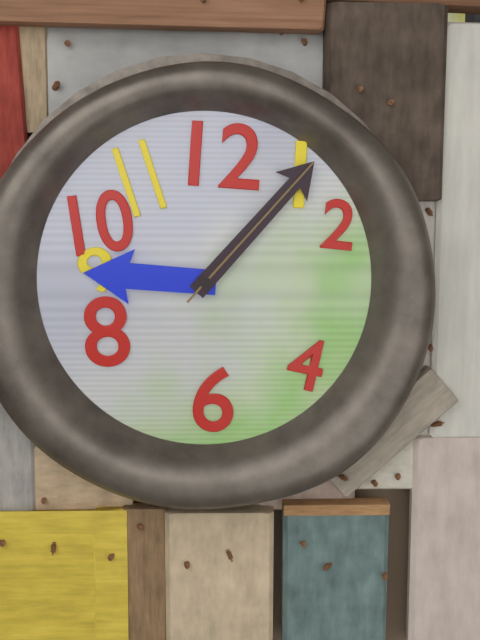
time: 9:07:07
